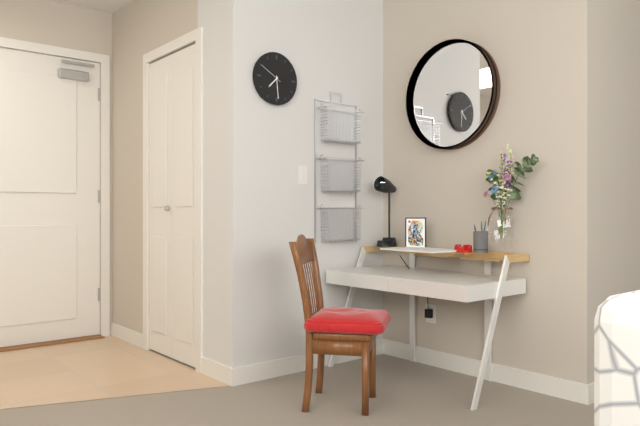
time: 7:29
